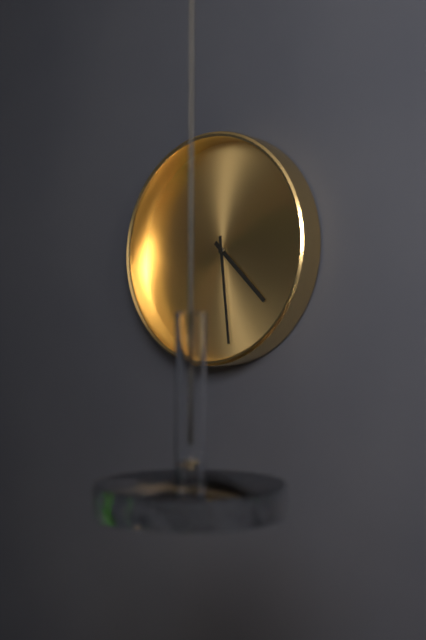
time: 4:29
